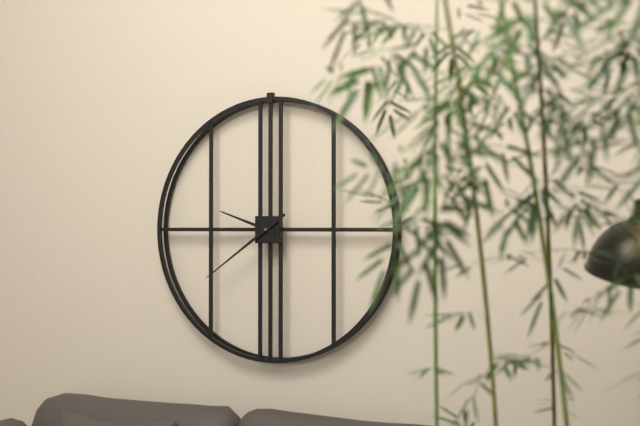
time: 9:39
